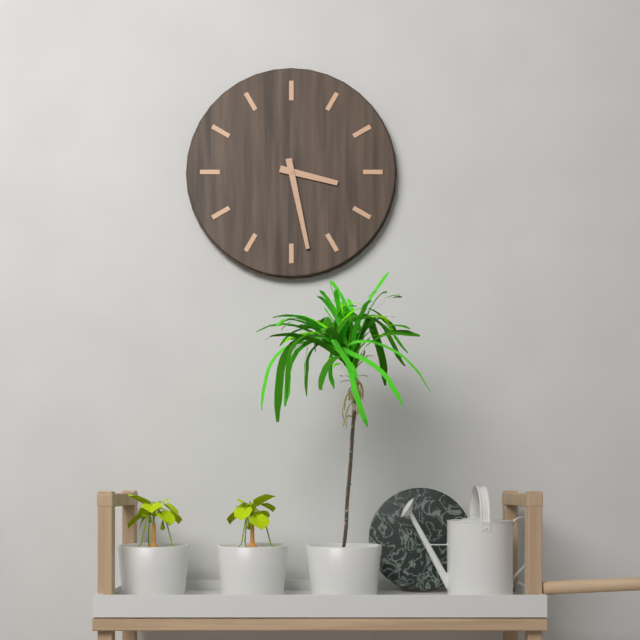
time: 3:28
